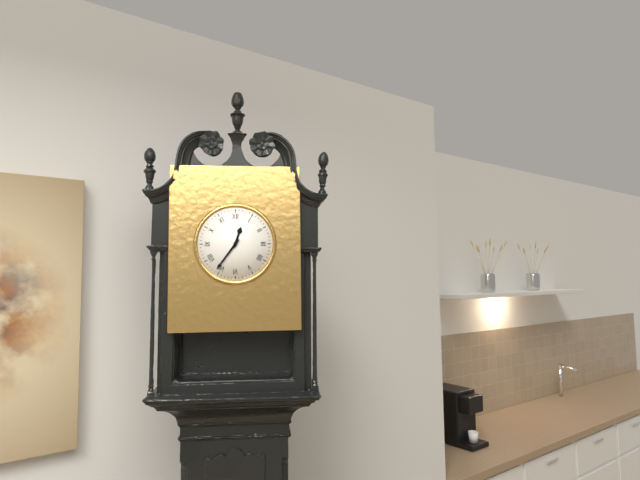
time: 12:36
